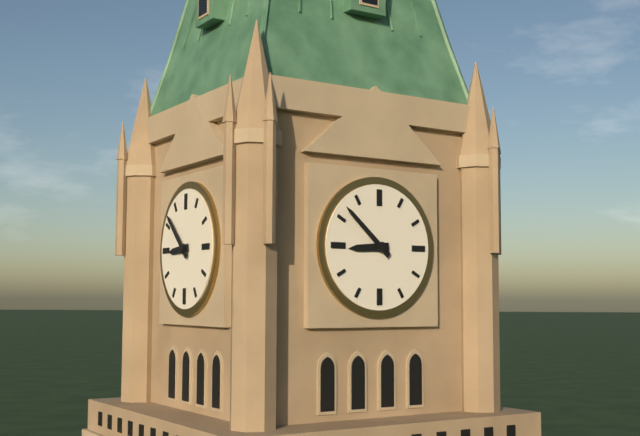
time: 8:52
